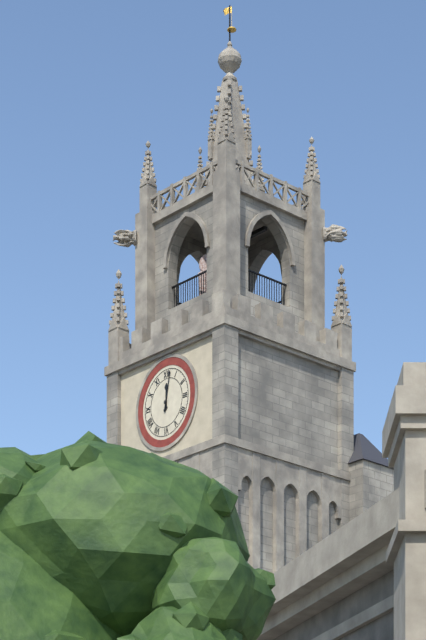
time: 12:02
